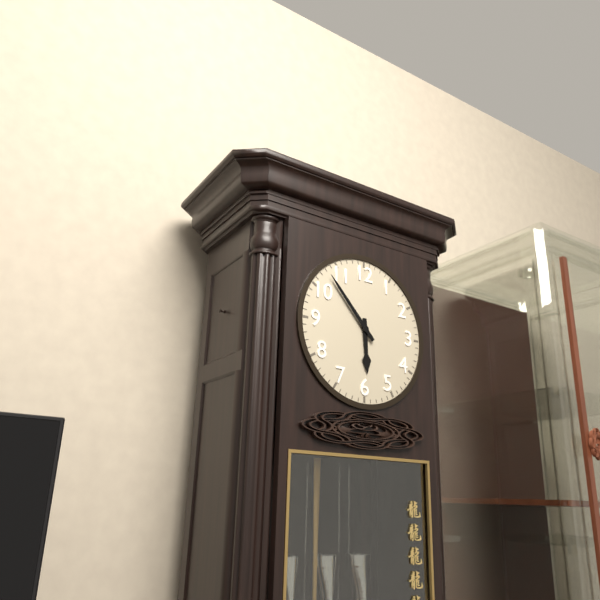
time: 5:53
